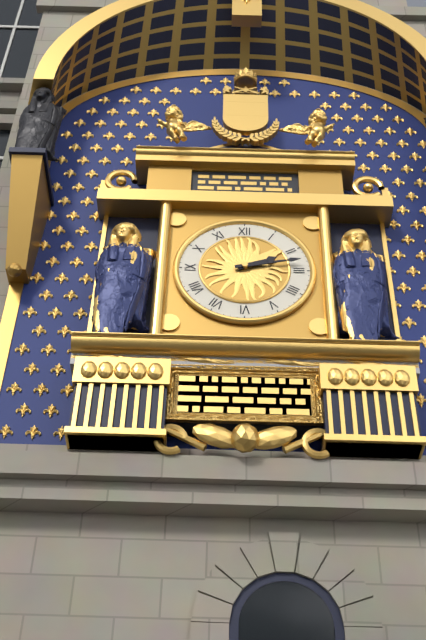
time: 2:13
